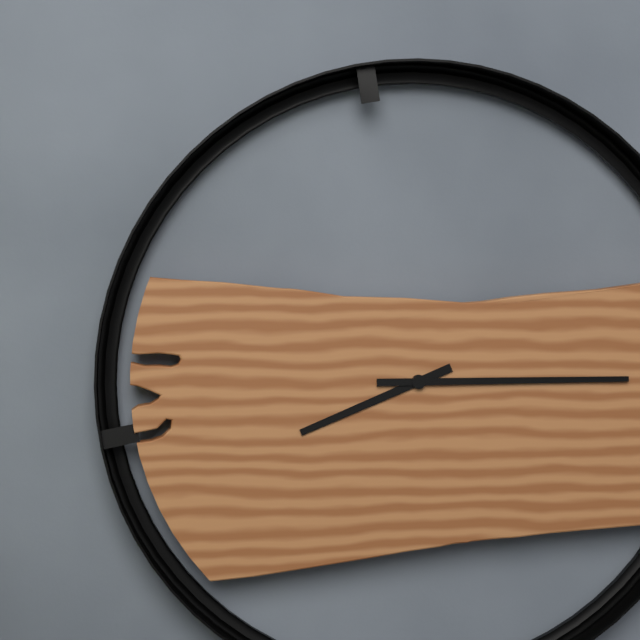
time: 8:15
